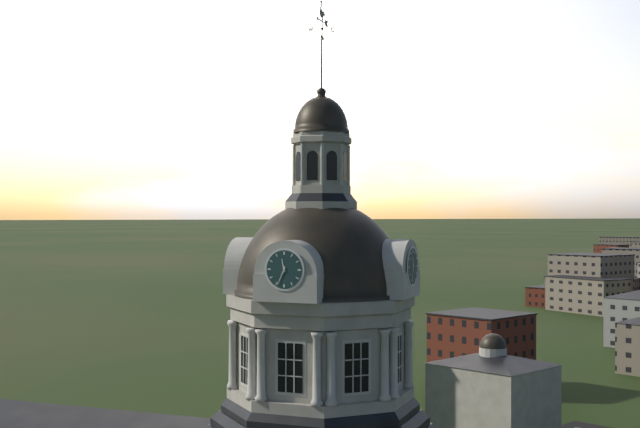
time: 11:34
